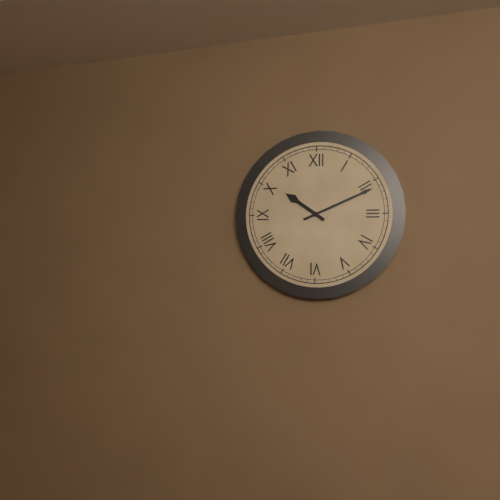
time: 10:11
